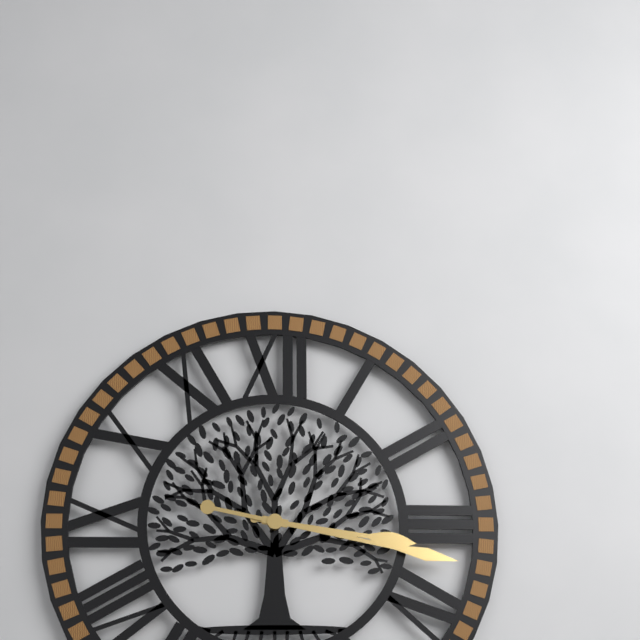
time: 3:17
